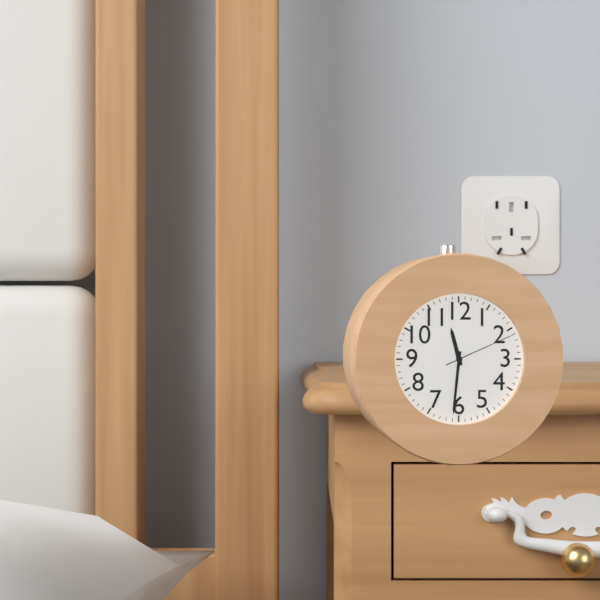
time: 11:31:11
